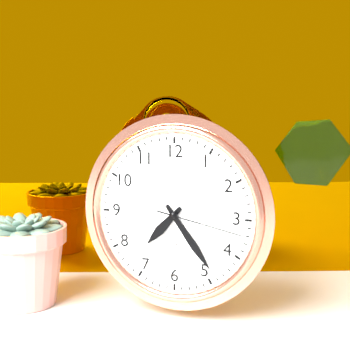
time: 7:24:17
